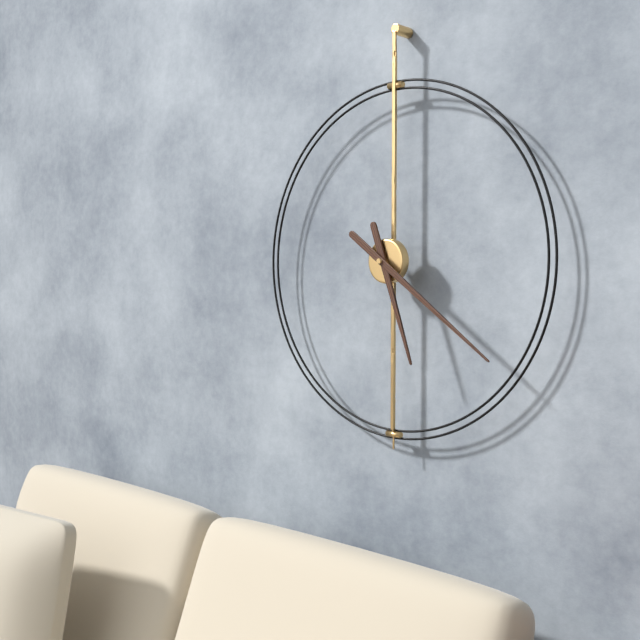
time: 5:21
